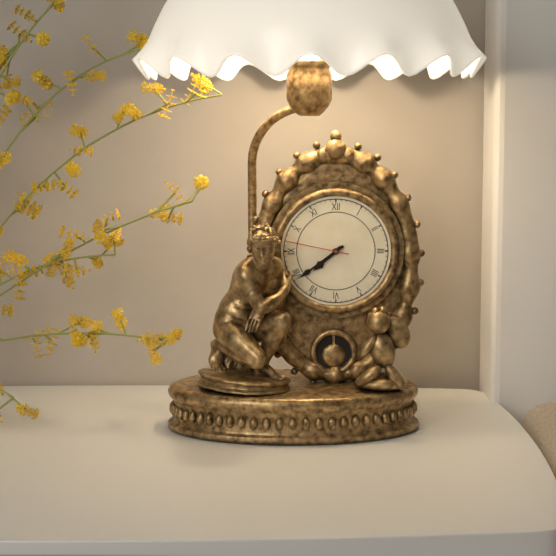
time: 7:39:47
